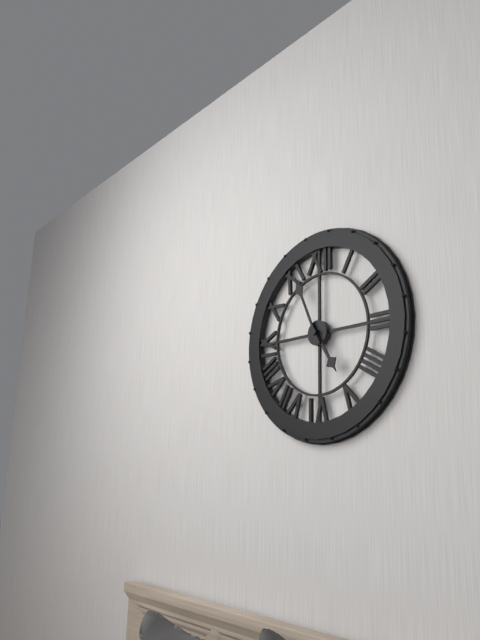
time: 4:56
